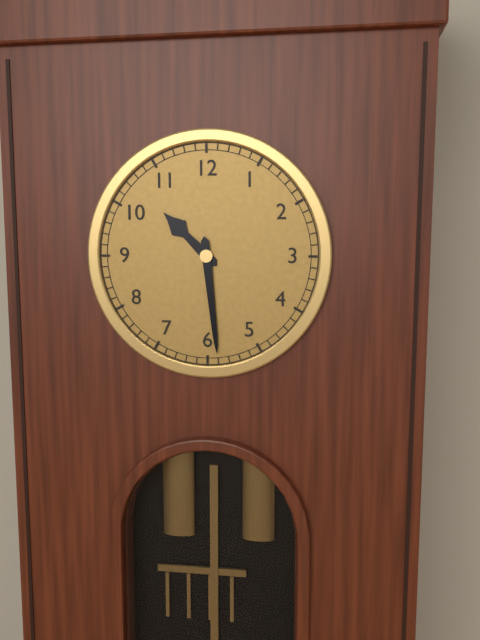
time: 10:29
